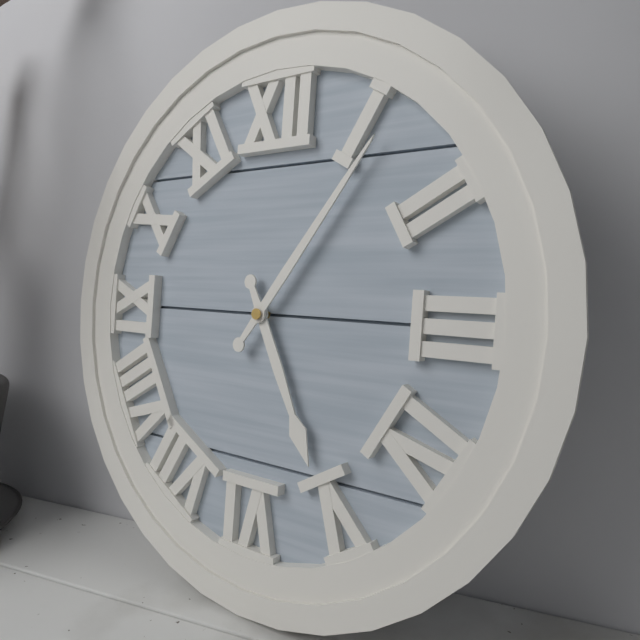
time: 5:06
